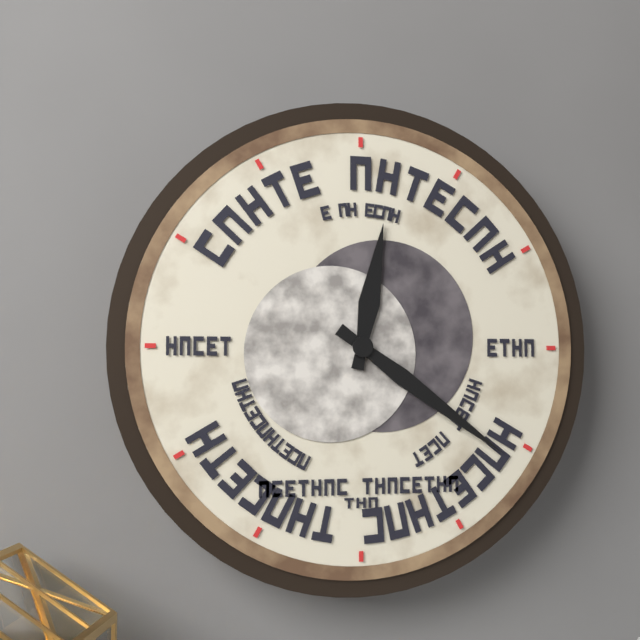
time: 12:21
